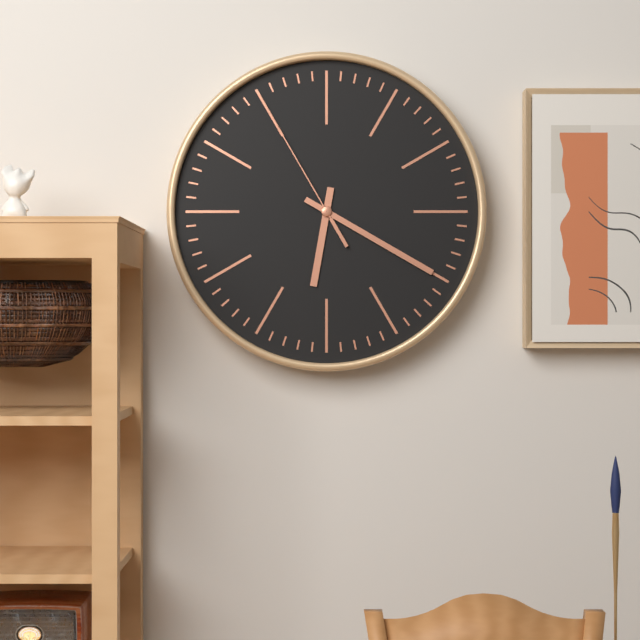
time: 6:20:55
